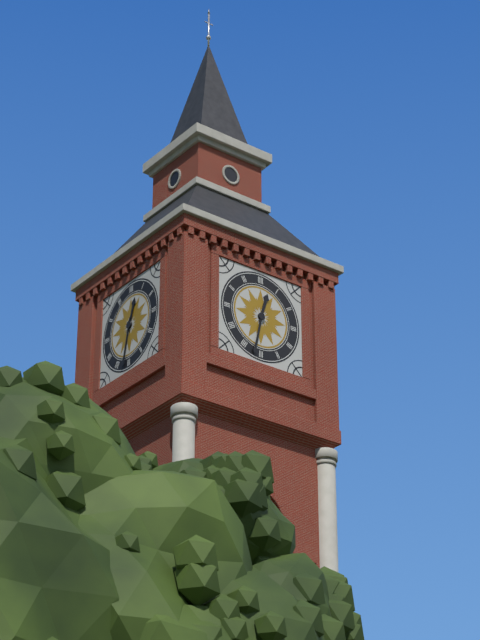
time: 12:32
